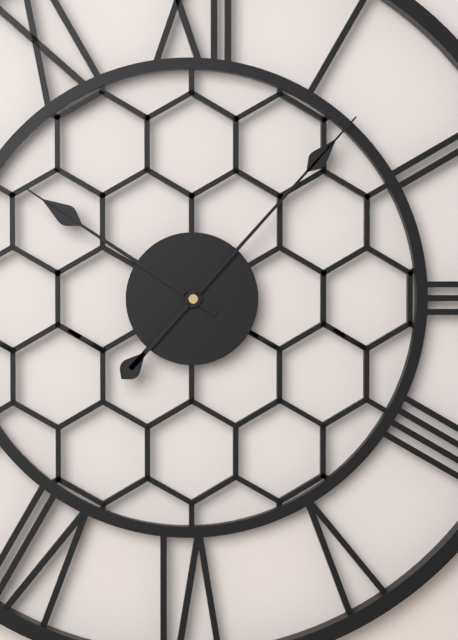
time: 10:07
